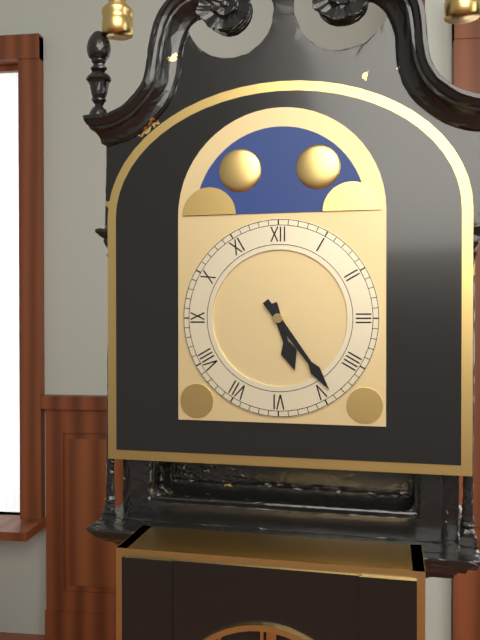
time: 5:24
